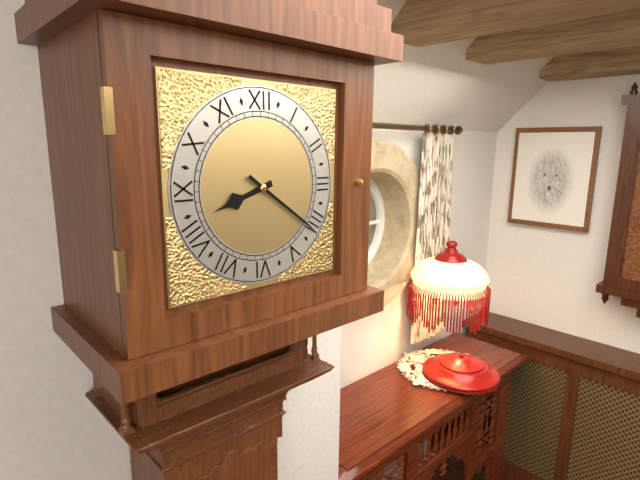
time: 8:21
